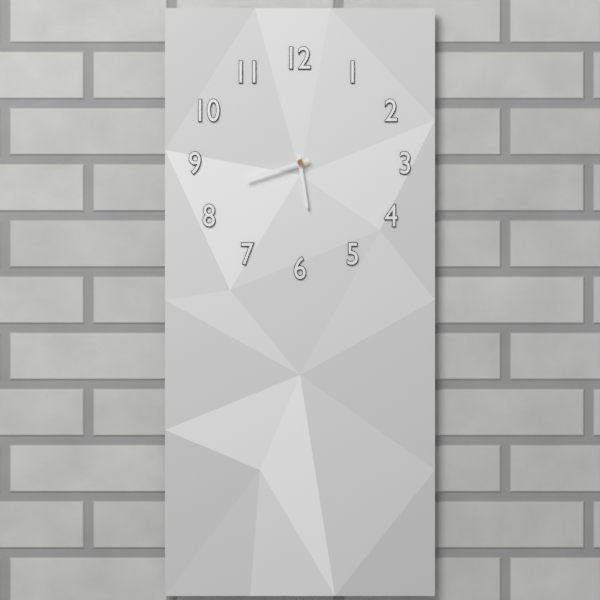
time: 5:42
